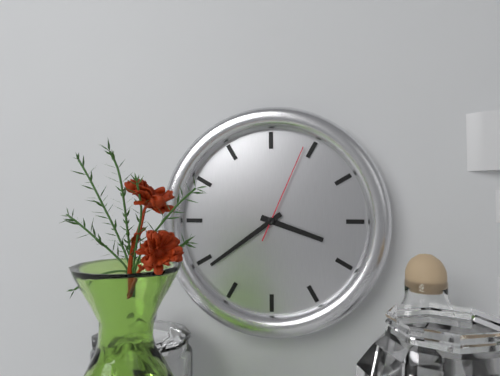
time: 3:39:04
